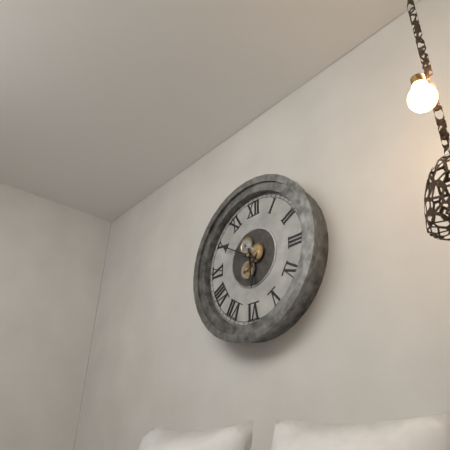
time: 5:50
